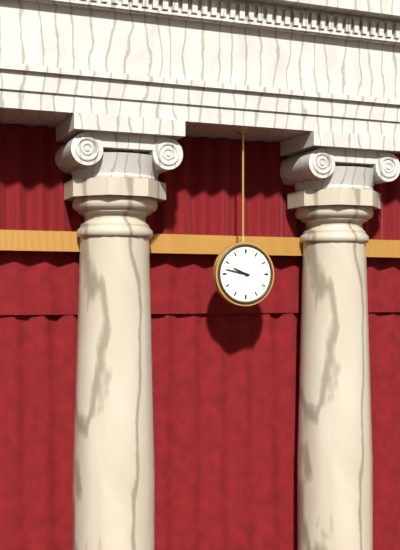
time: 9:47
